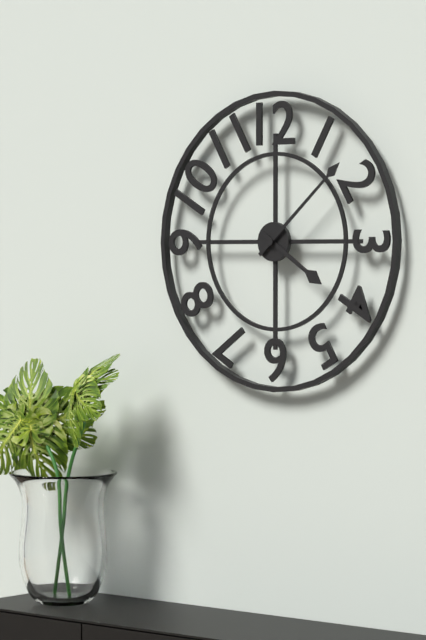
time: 4:08
